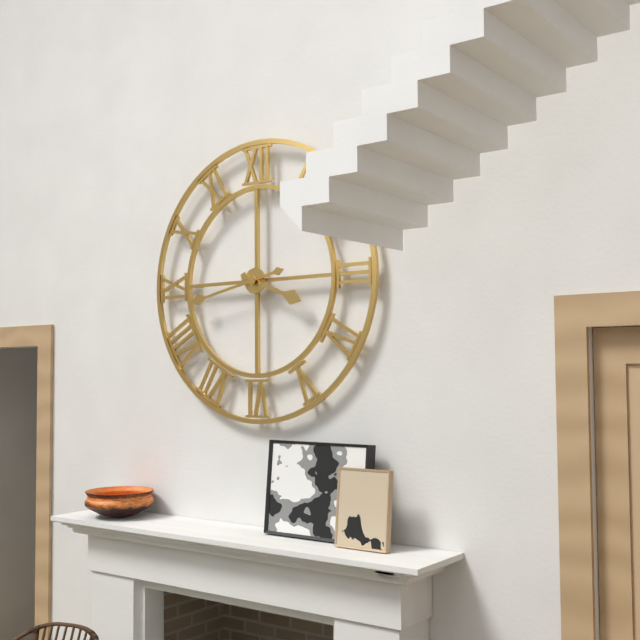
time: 3:43
